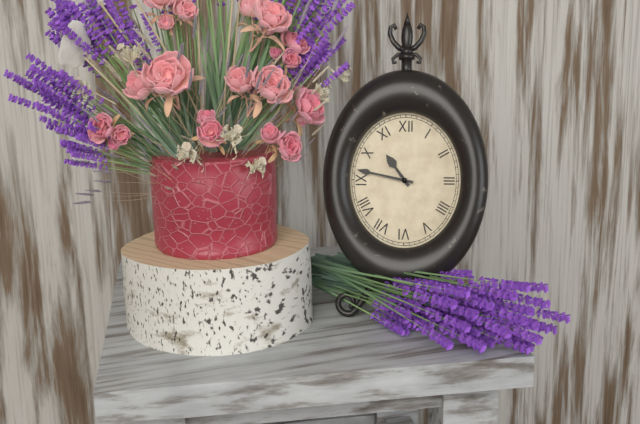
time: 10:47
